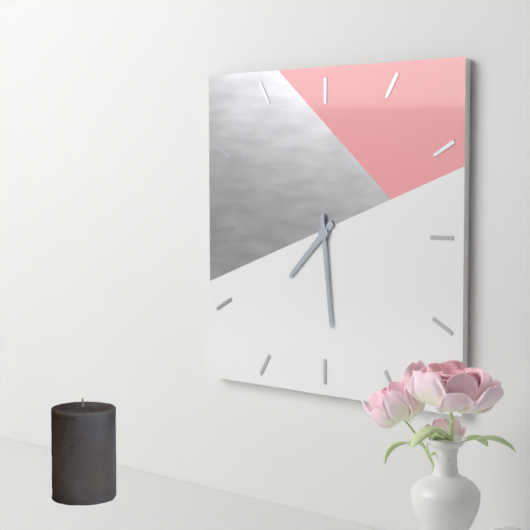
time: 7:29
